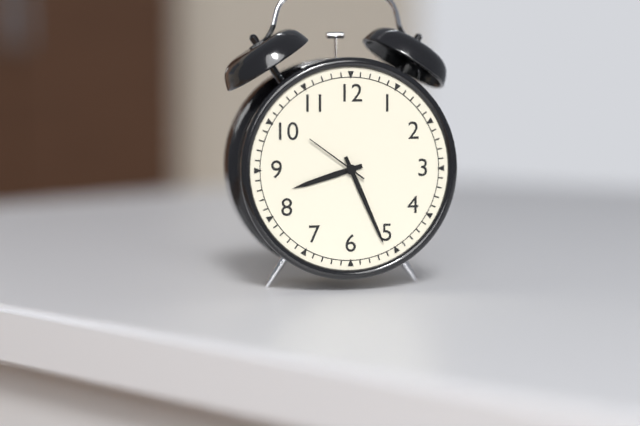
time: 8:26:51
